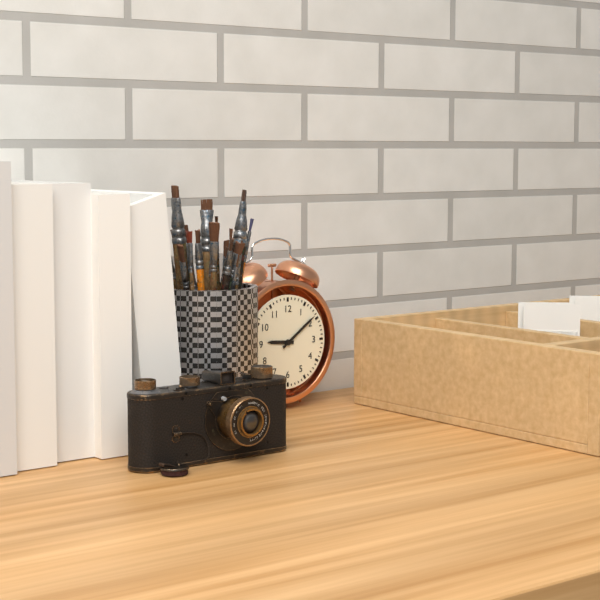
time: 9:09
